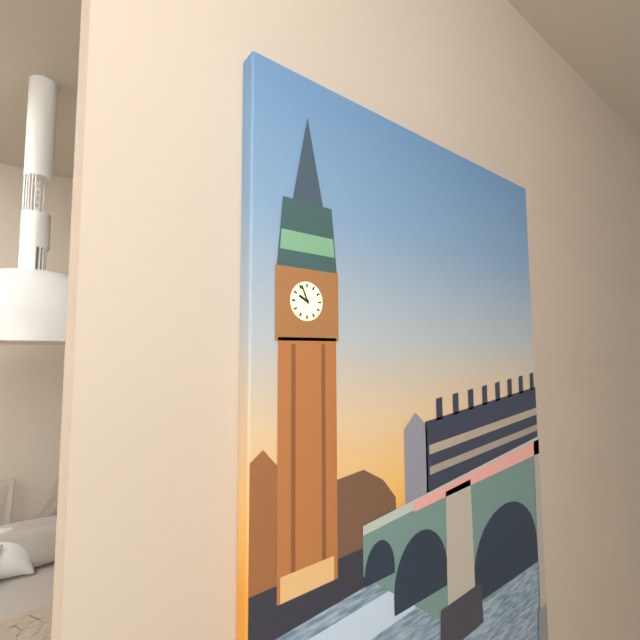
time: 9:56
